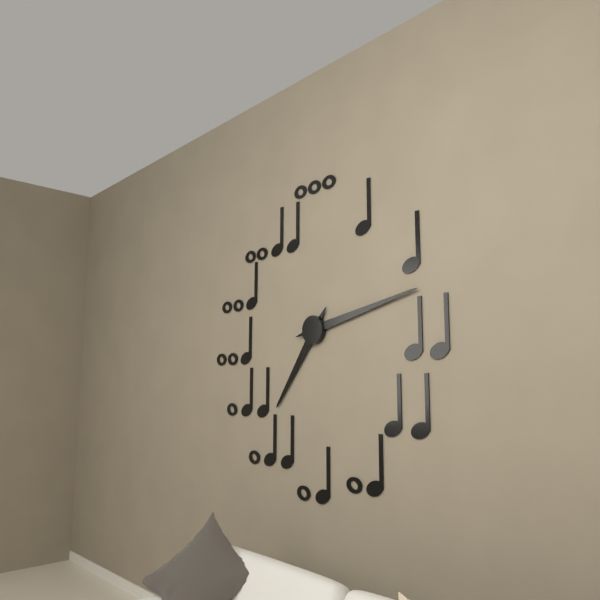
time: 7:13
